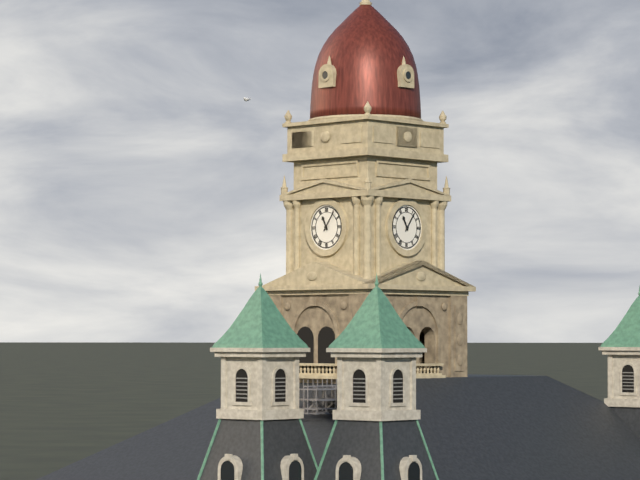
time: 11:06
